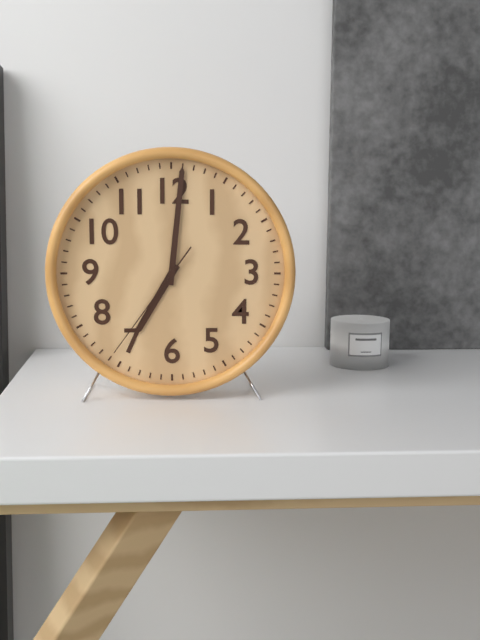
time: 7:01:36
